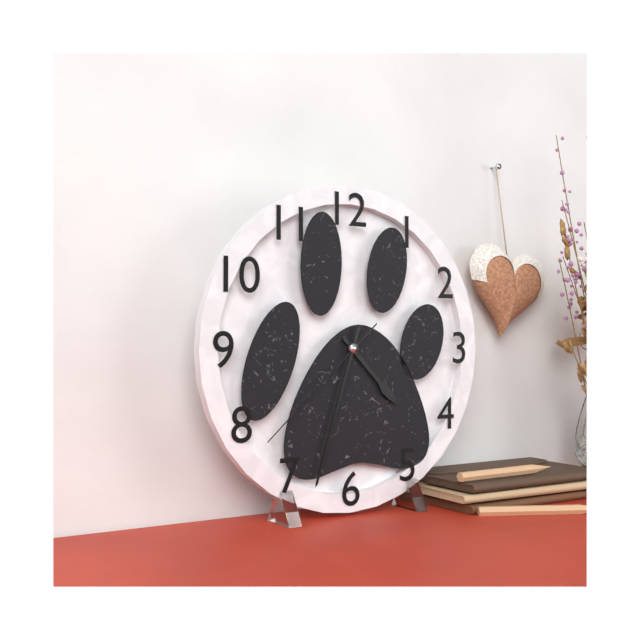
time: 4:33:38
